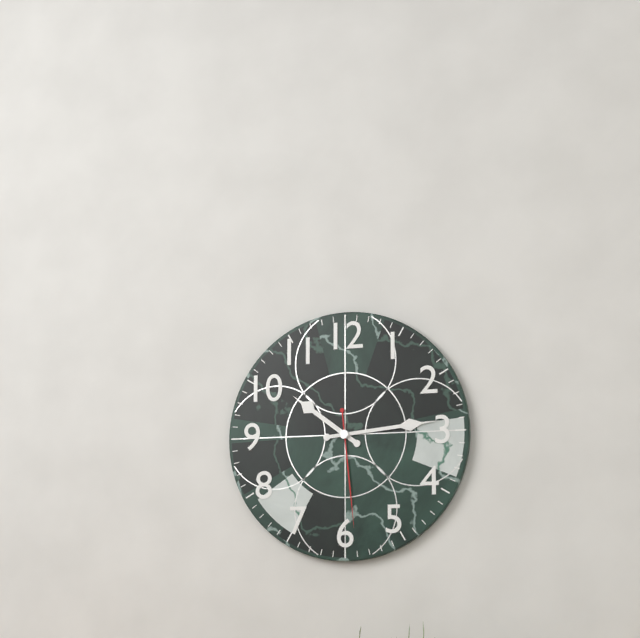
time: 10:14:29
